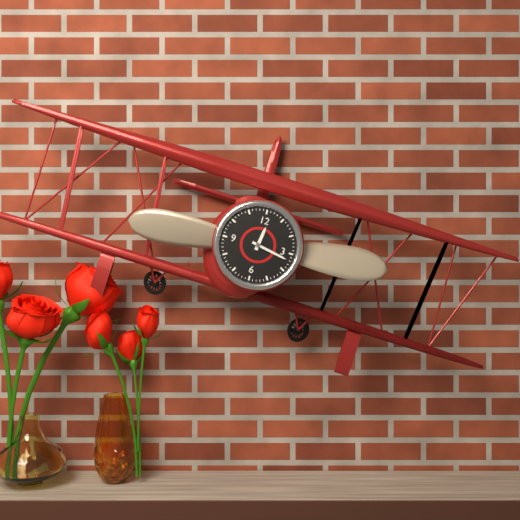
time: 12:17
